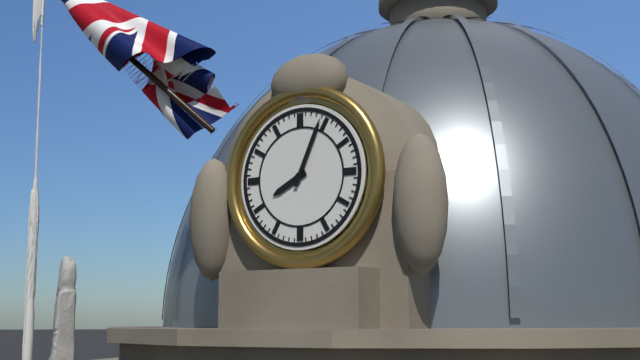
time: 8:04
